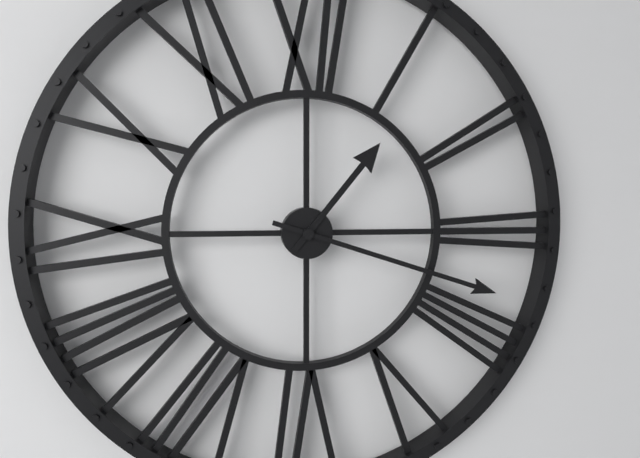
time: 1:18
